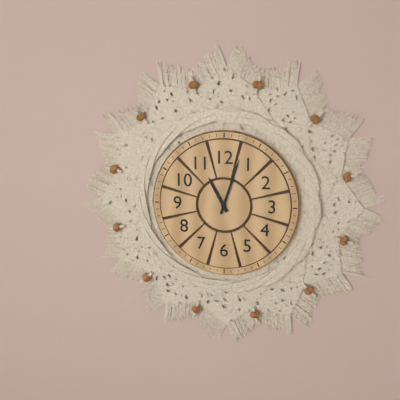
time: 11:03
